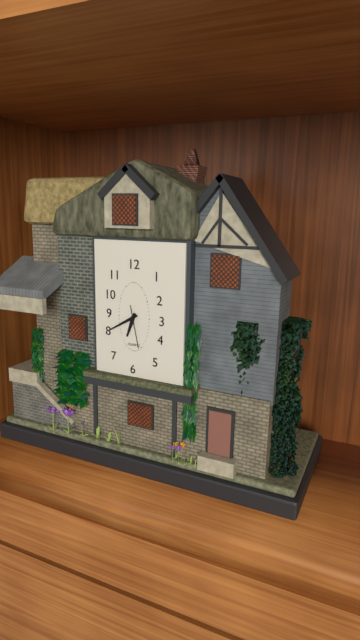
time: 6:40
